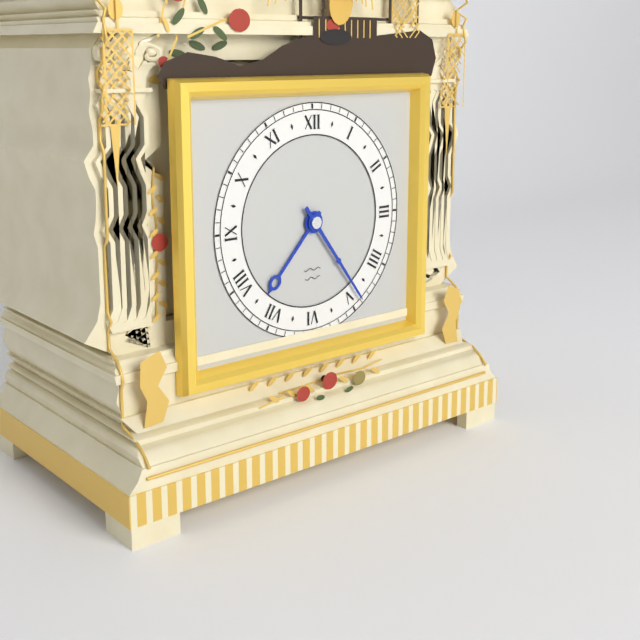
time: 7:24
